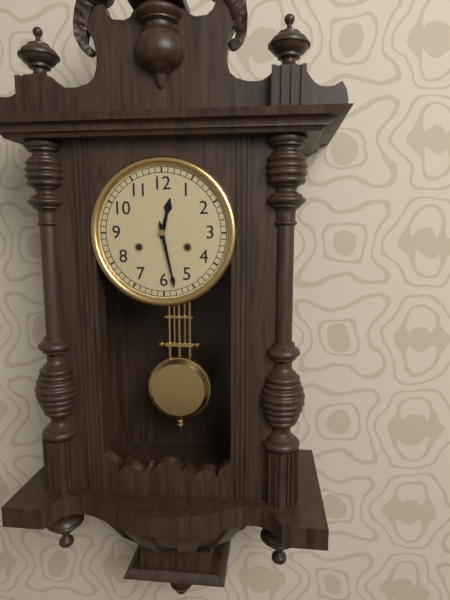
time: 12:28
